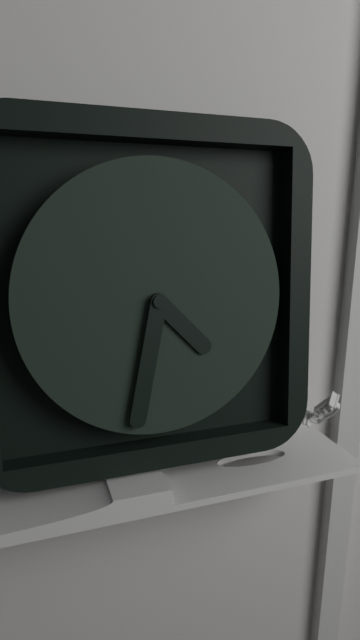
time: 4:32
